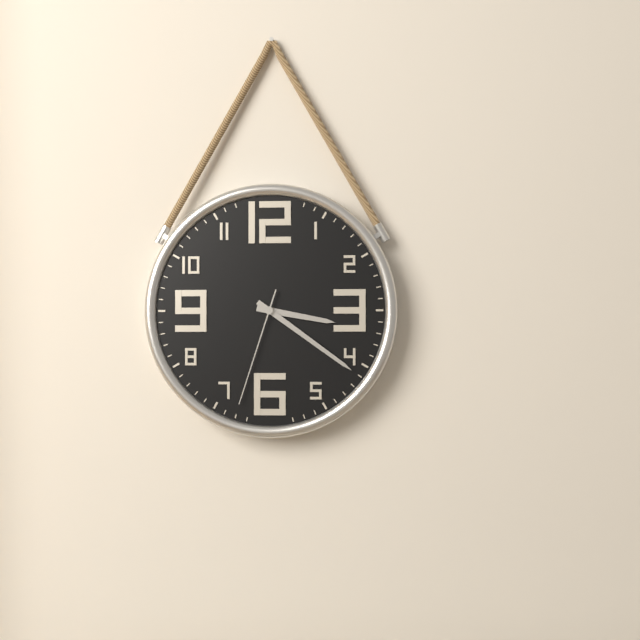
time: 3:21:33
